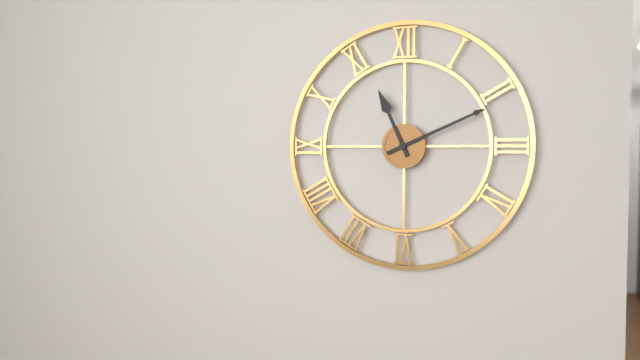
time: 11:11
